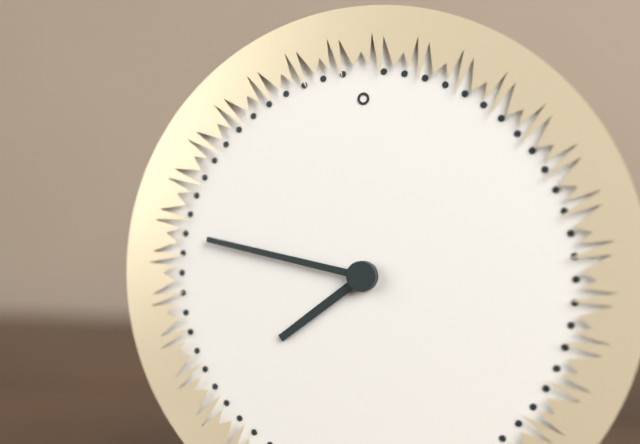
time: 7:47
